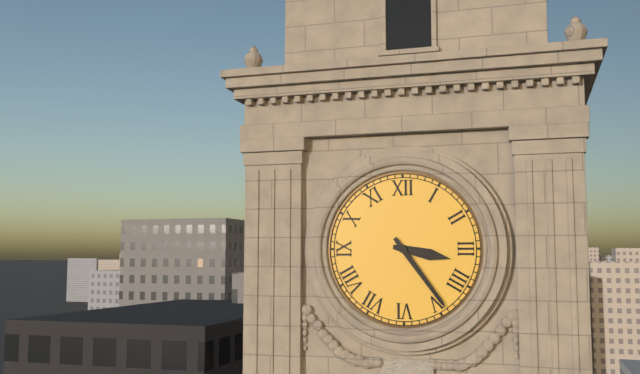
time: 3:24
